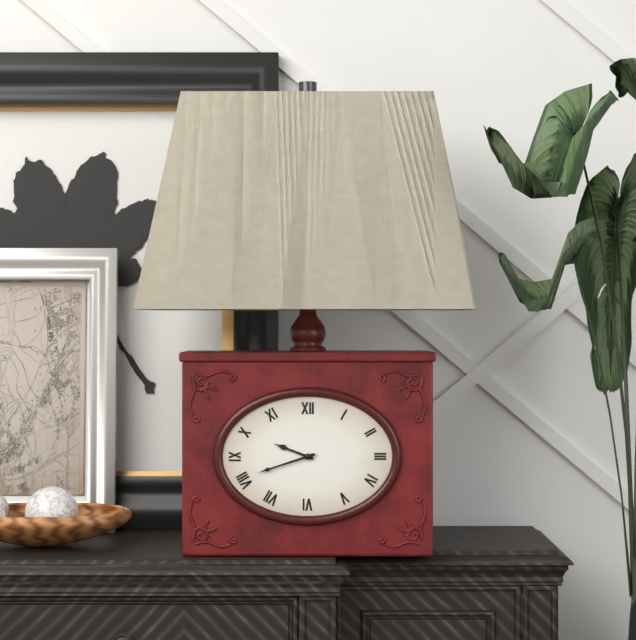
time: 9:42
